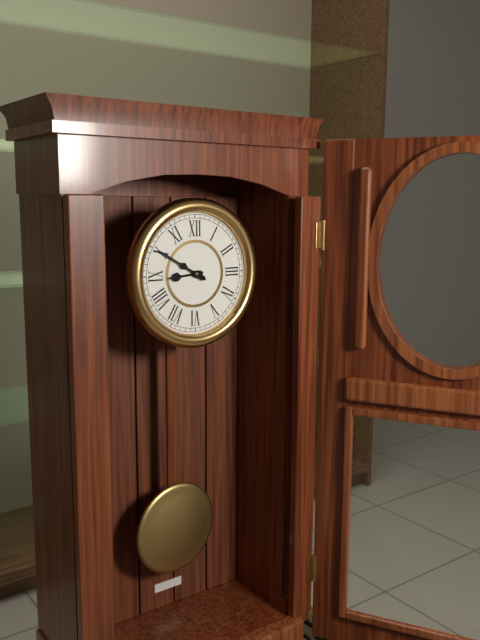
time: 8:50
